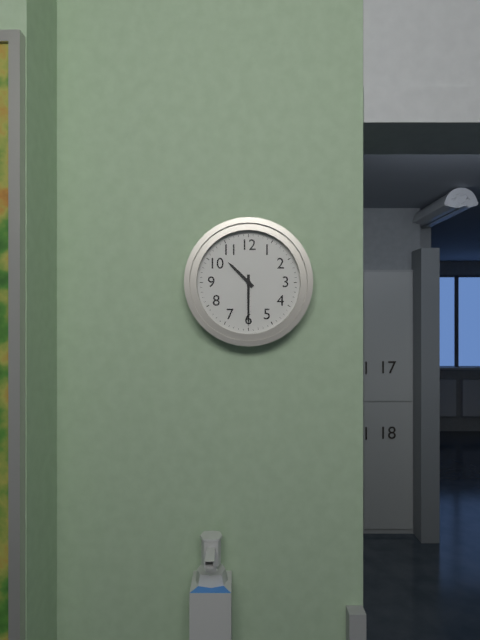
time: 10:30
